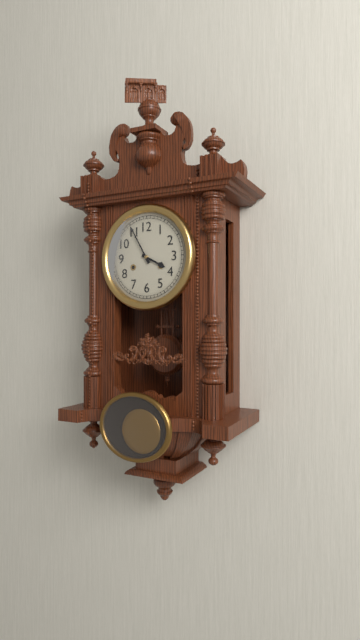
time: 3:55
